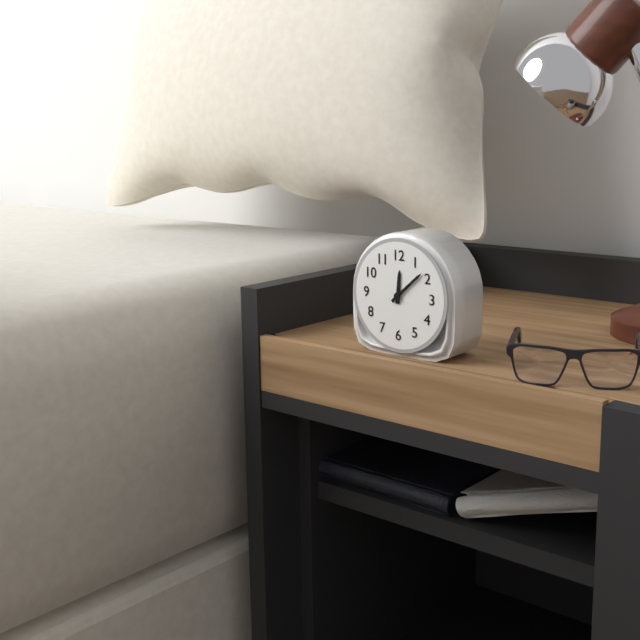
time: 12:08
